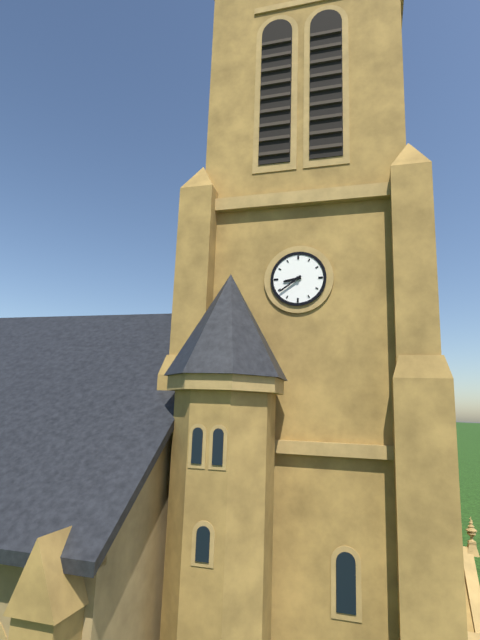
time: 8:39
